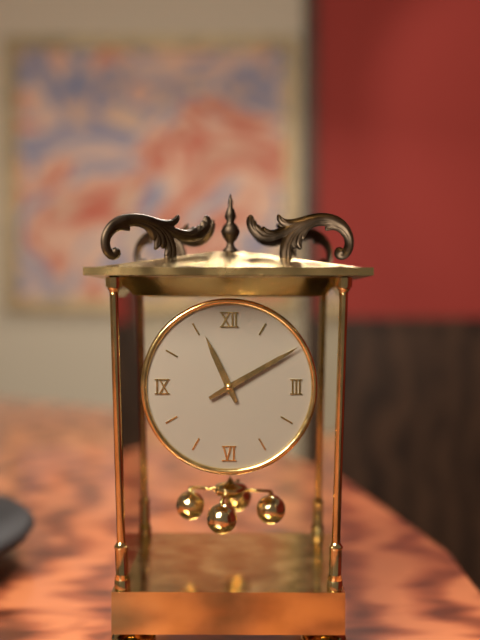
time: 11:10
